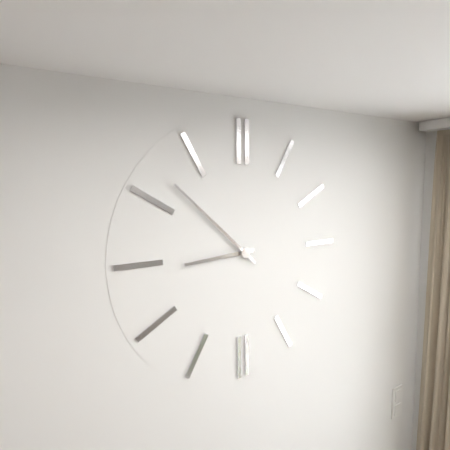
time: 8:52
